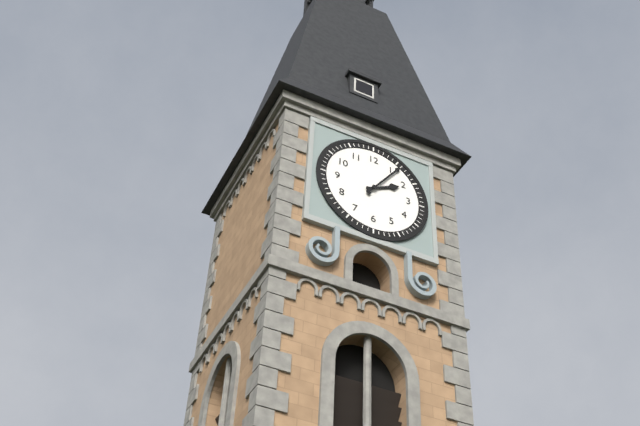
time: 2:06
